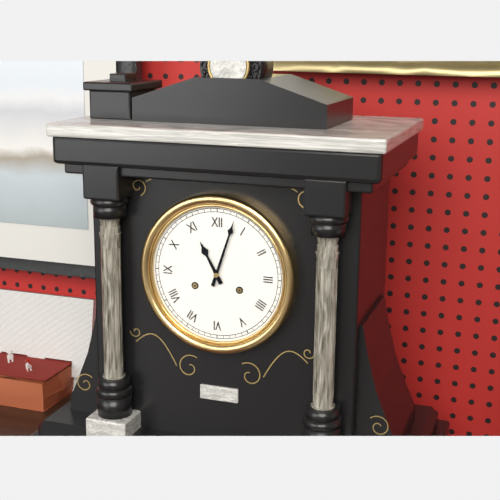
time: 11:03
